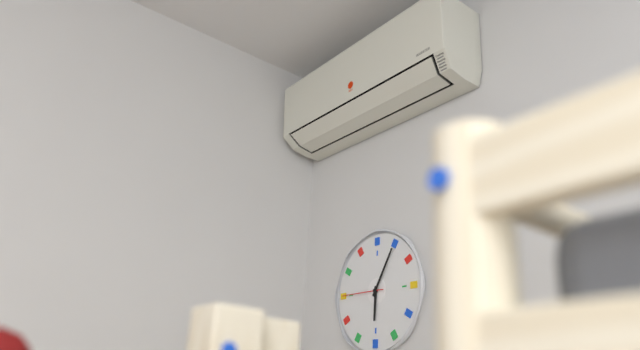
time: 6:05
